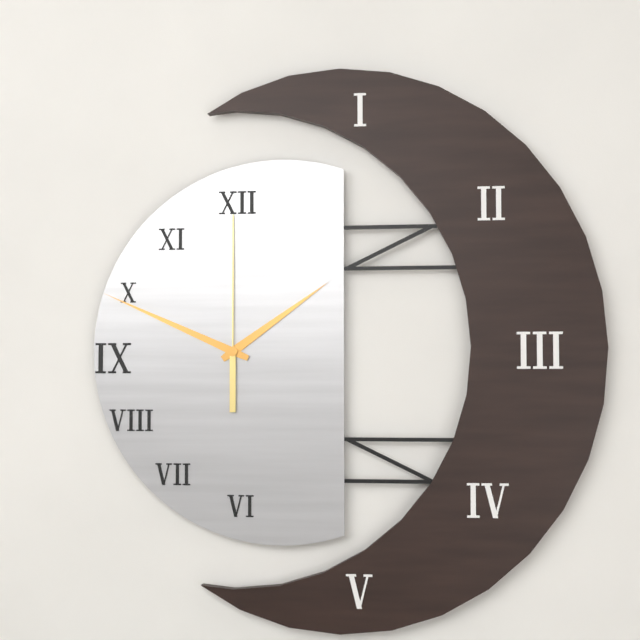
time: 1:49:00
